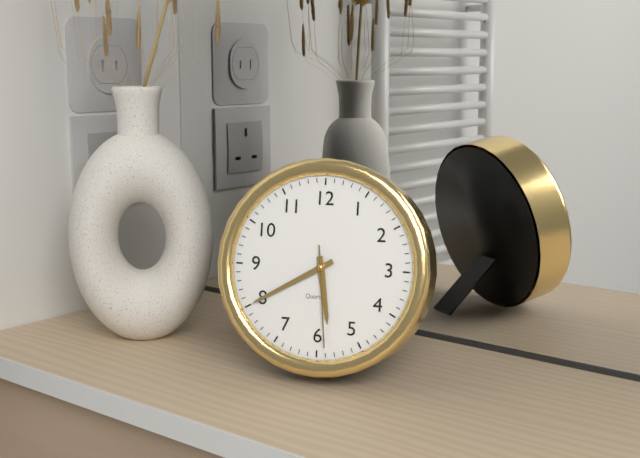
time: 5:40:29
